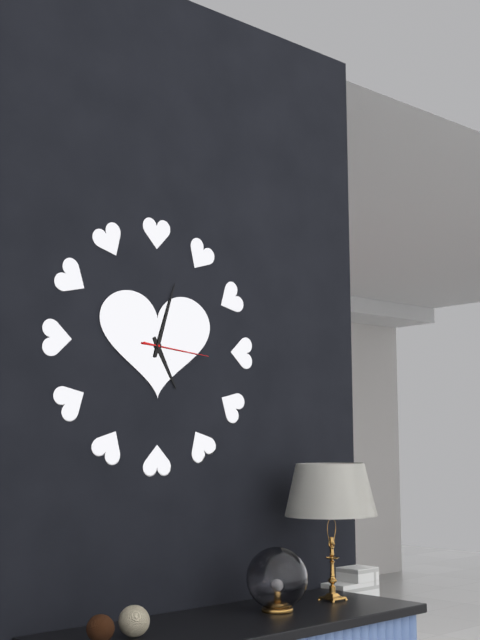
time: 5:03:16
